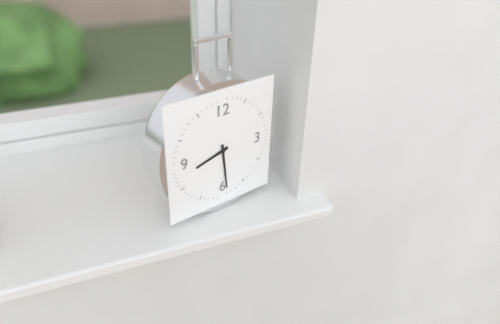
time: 8:29
